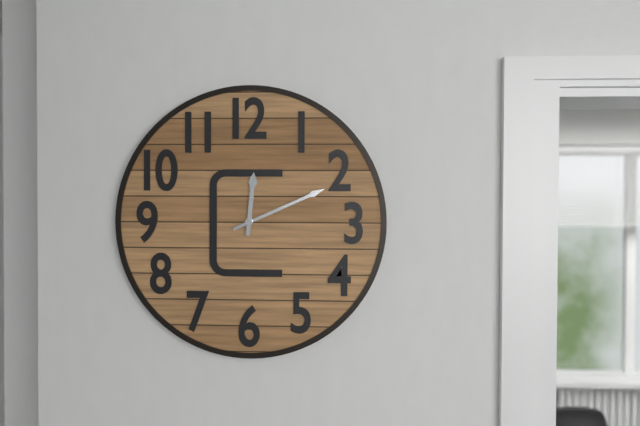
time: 12:11
